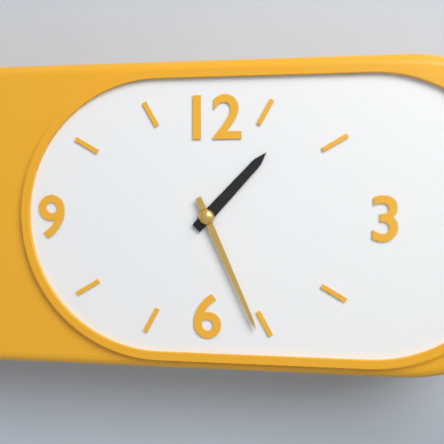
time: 1:26
